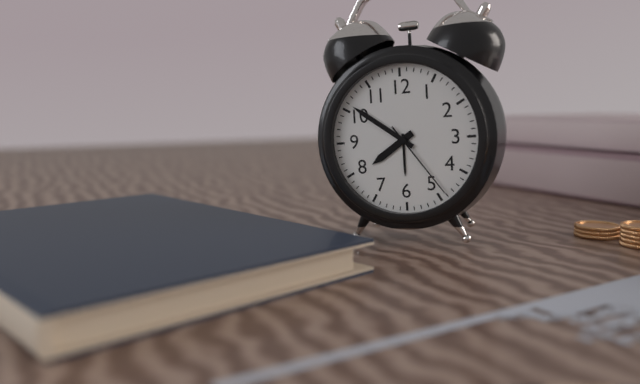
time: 7:51:24
